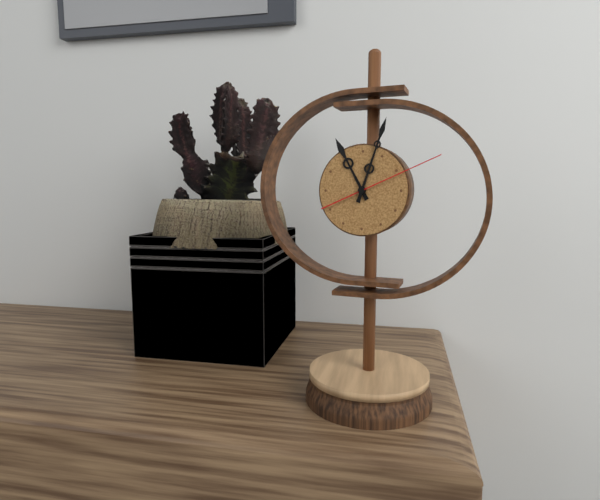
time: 11:03:11
